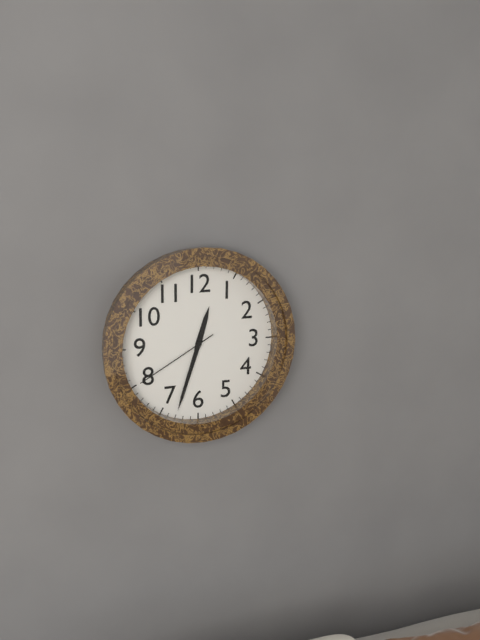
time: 12:33:40
